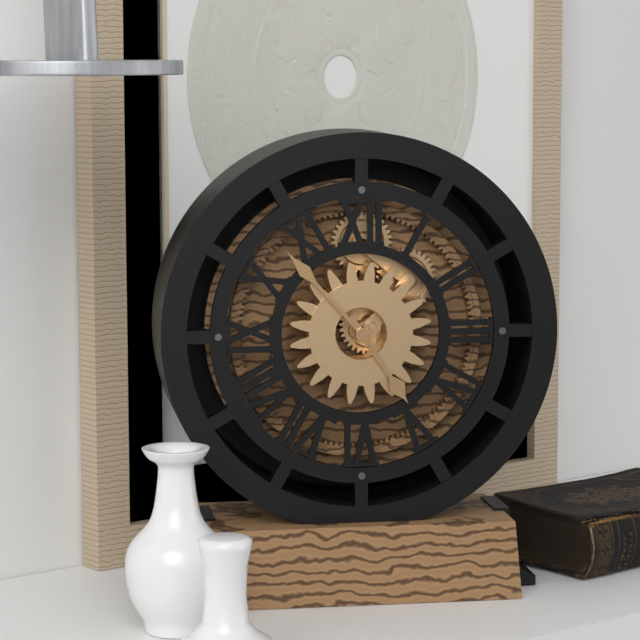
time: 4:53
